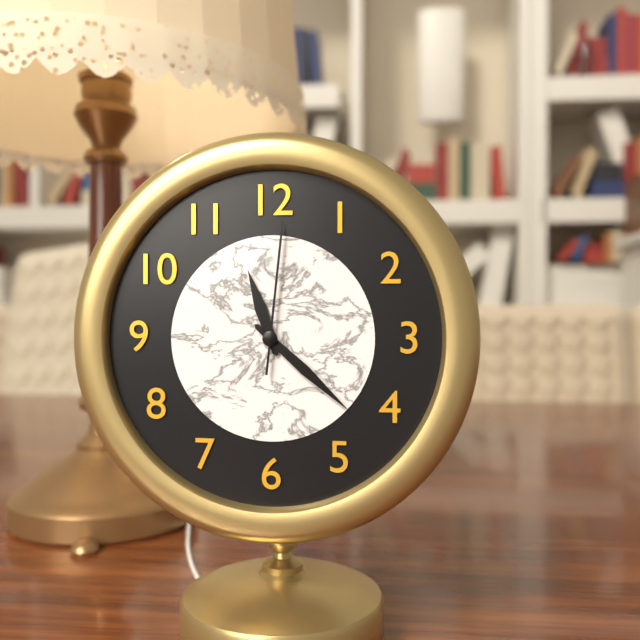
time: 11:22:01
